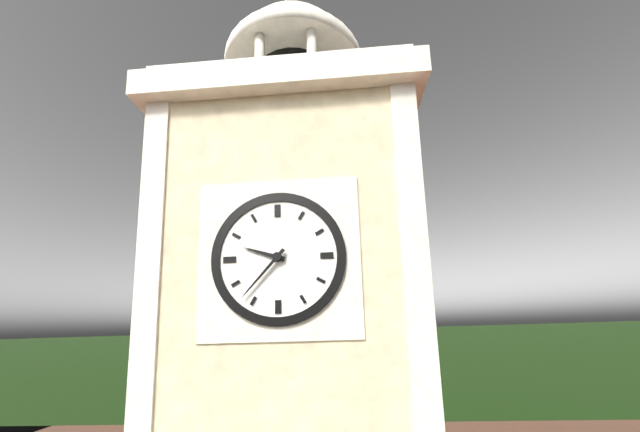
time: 9:37
